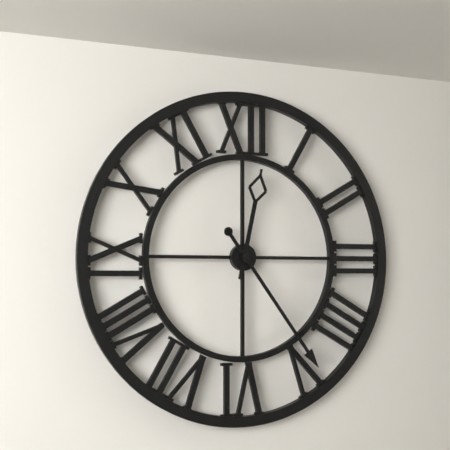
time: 12:24
